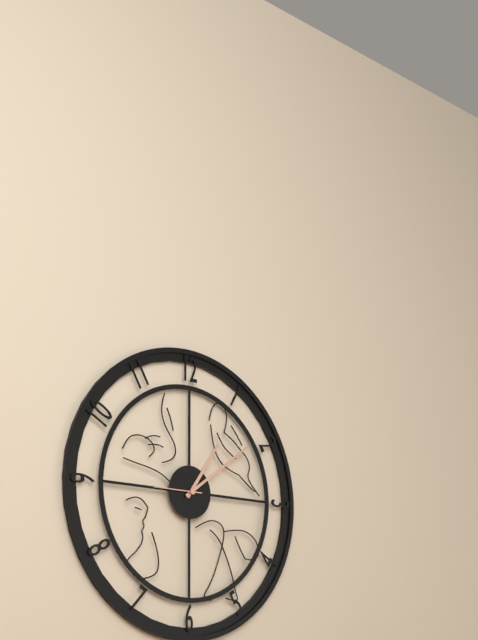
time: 1:09
